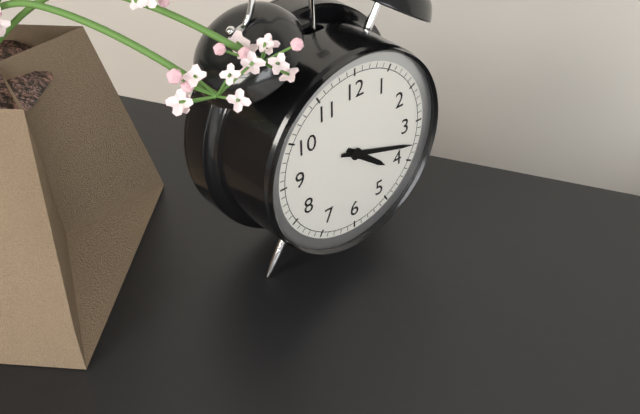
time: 4:18
